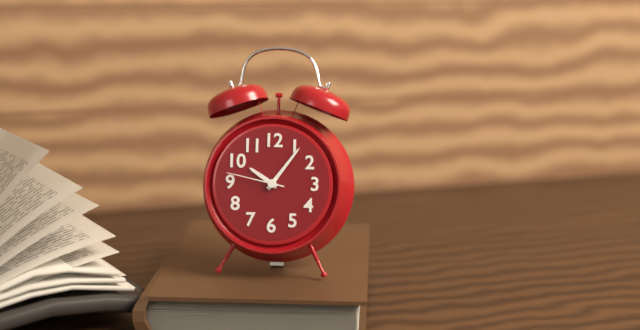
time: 10:06:47
